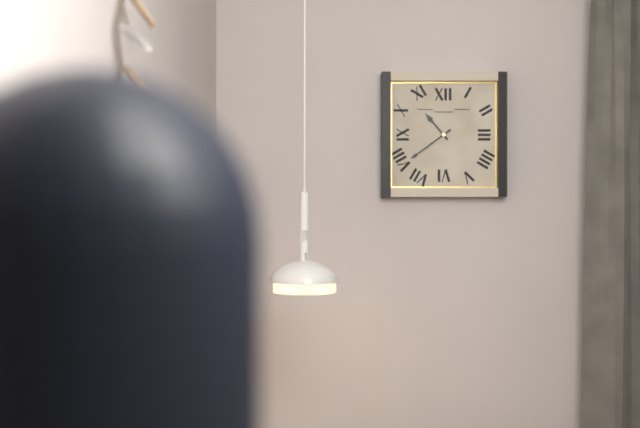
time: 10:39
